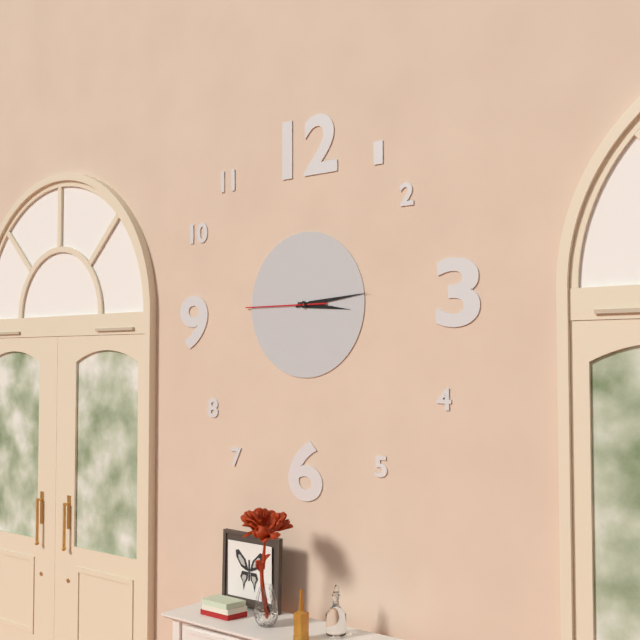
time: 3:14:45
